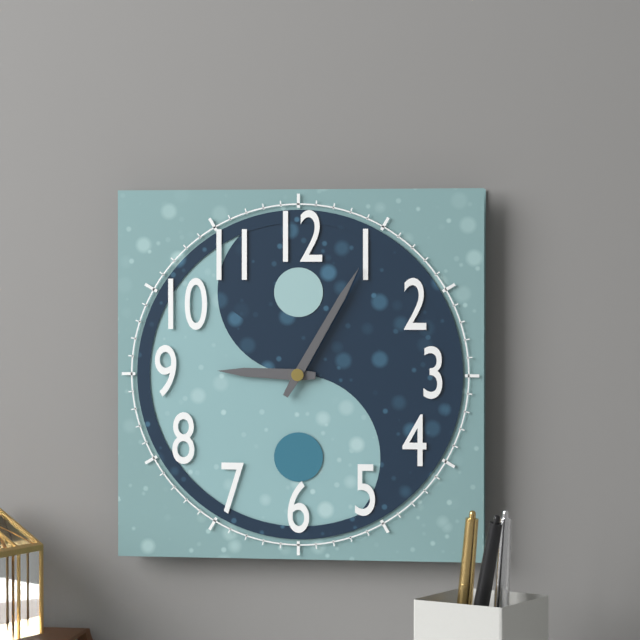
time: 9:05
